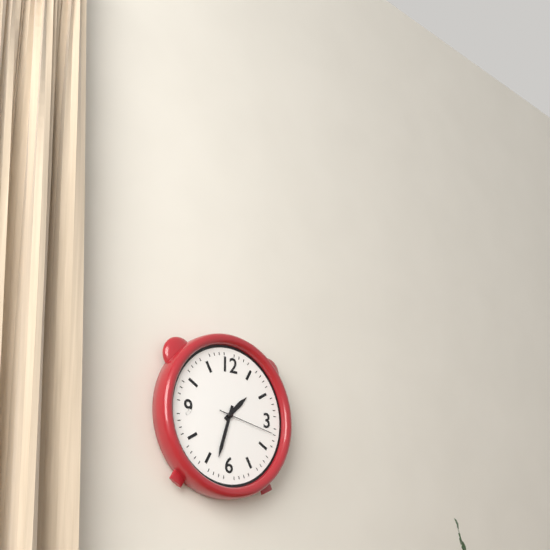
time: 1:33:17
